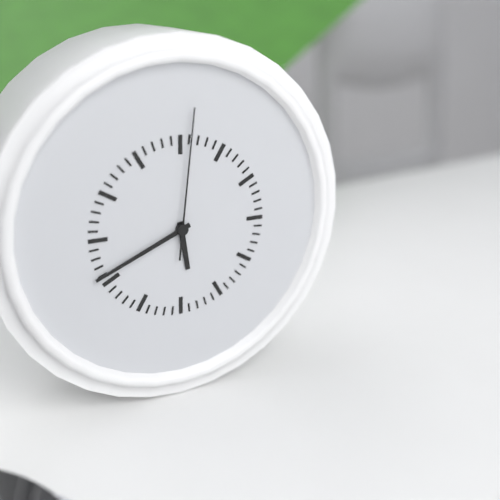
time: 5:41:01
